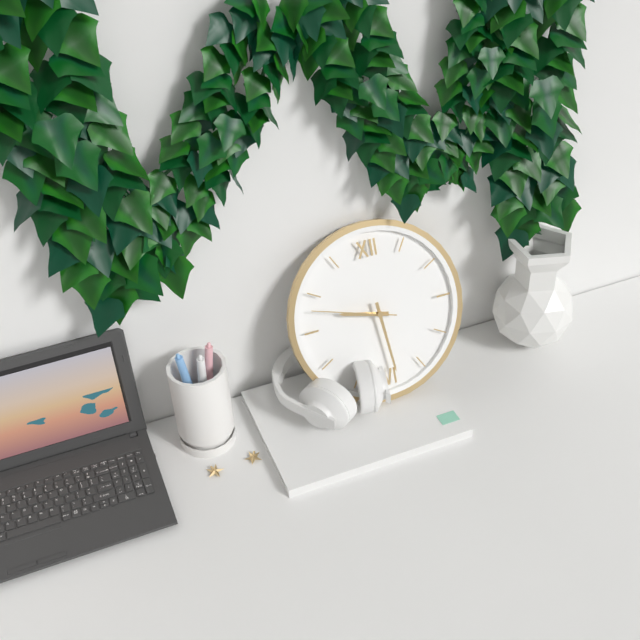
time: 9:29:48
